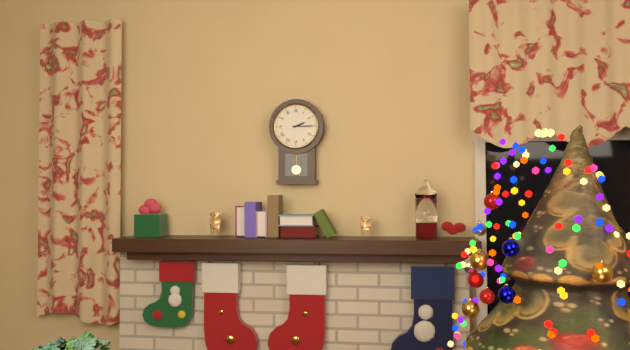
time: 2:15
